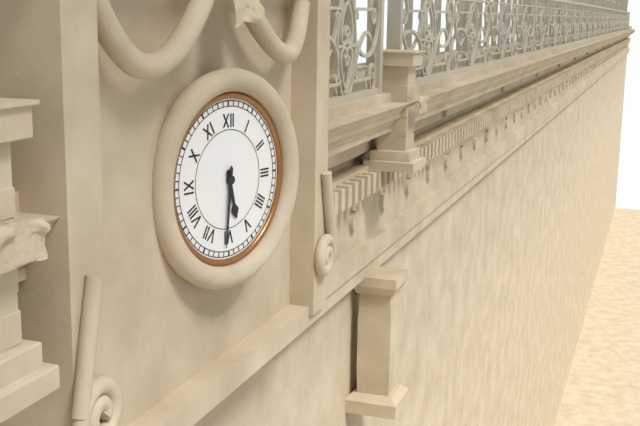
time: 5:31
